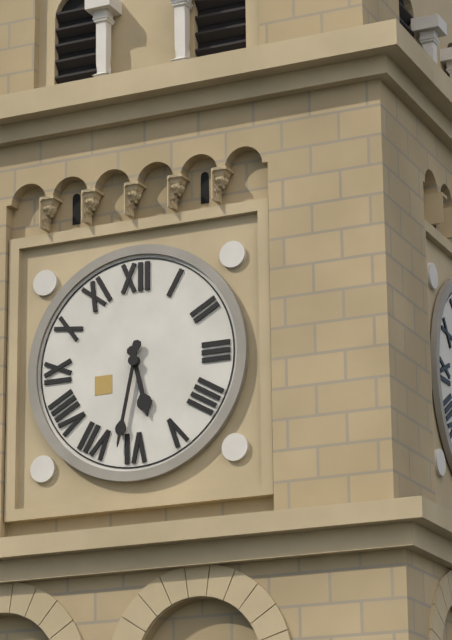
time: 5:32
